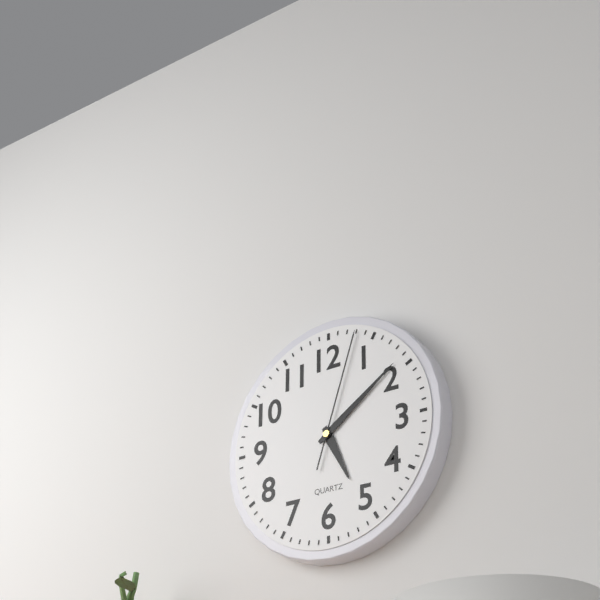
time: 5:09:03
